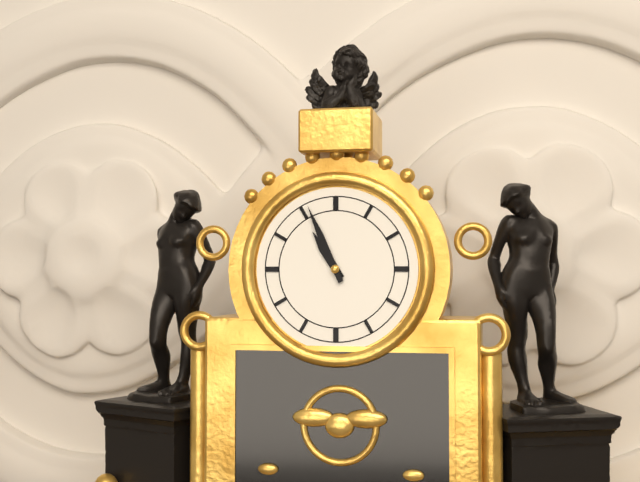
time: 10:56
